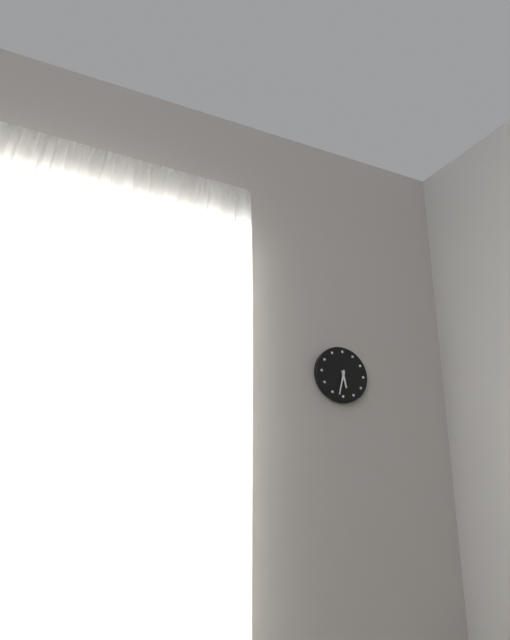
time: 5:32
